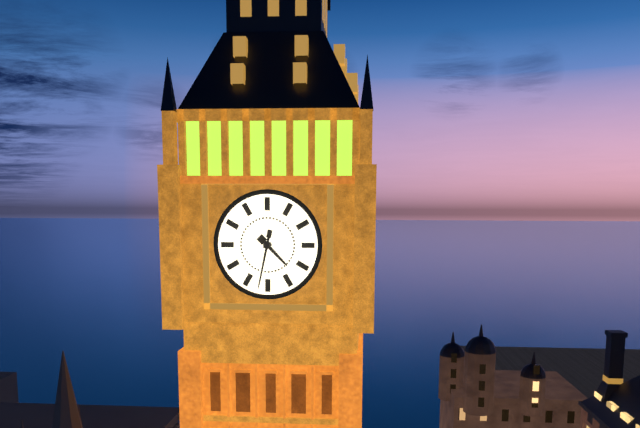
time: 4:32
